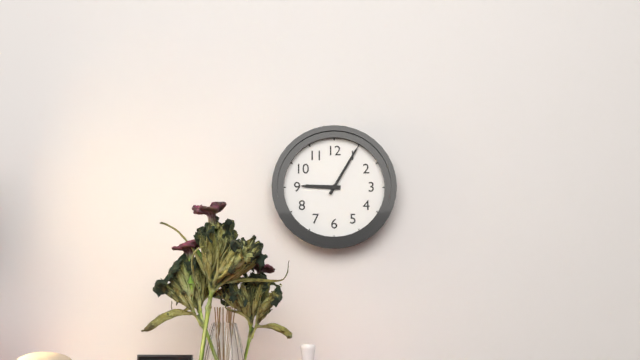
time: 9:05
